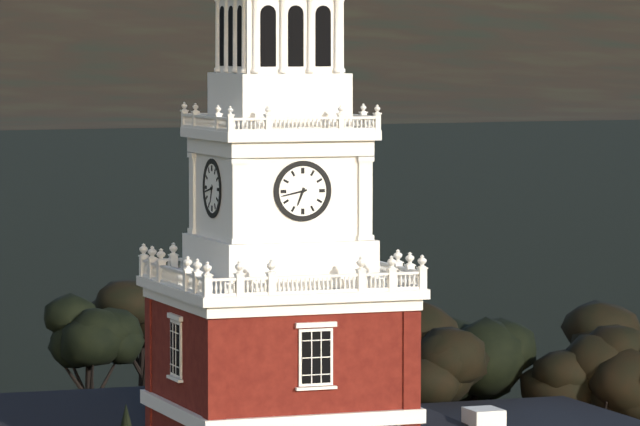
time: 6:43
